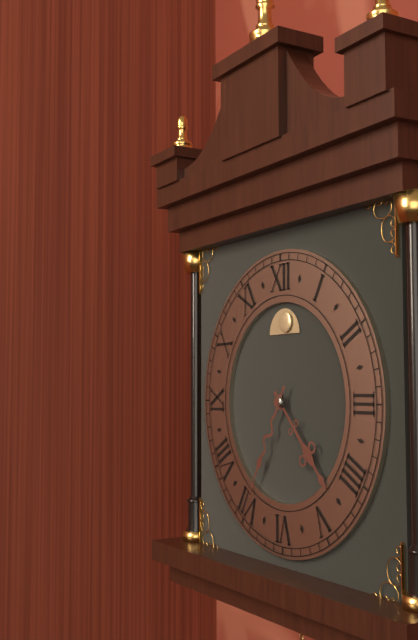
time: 4:35
